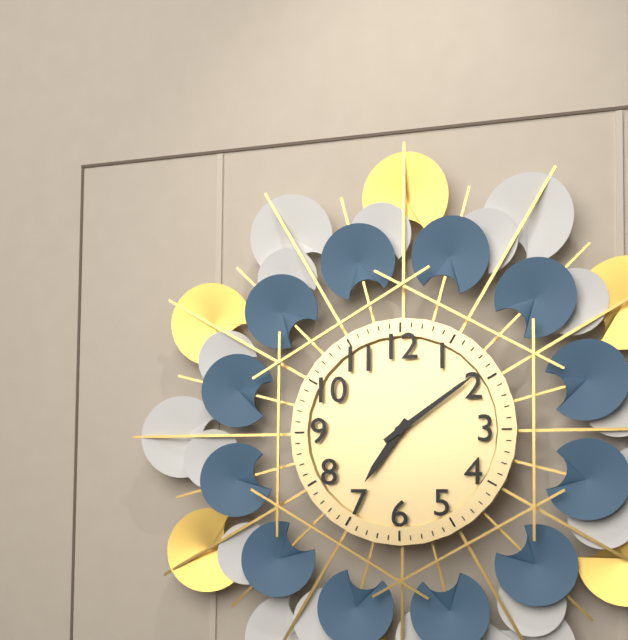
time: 7:09
